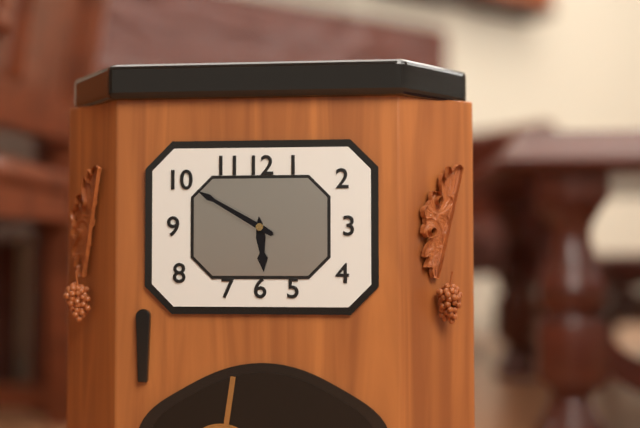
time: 5:50
